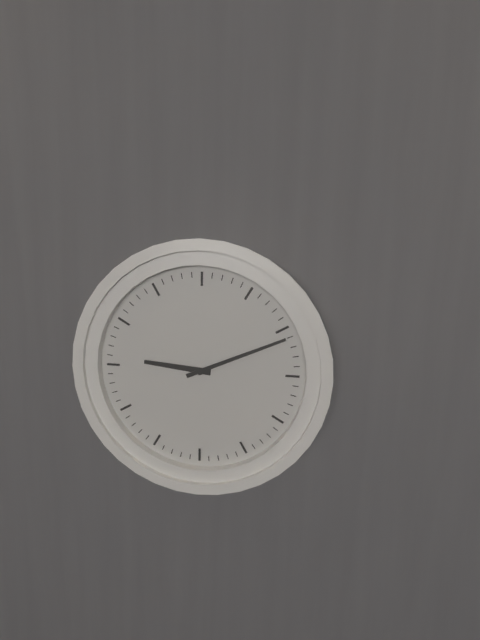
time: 9:11
